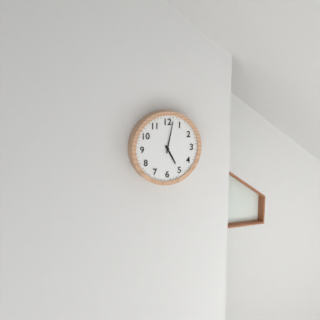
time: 5:02
